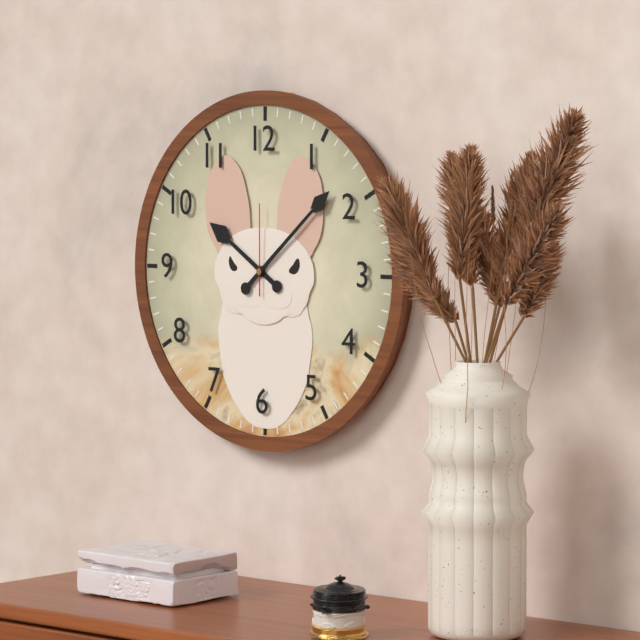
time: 10:08:00
